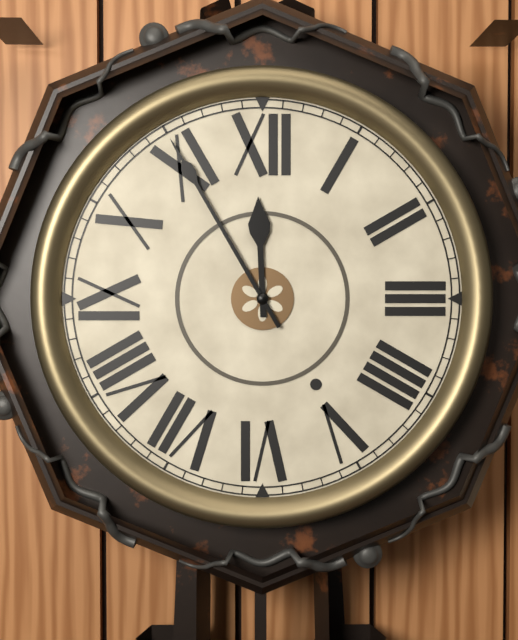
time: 11:55
